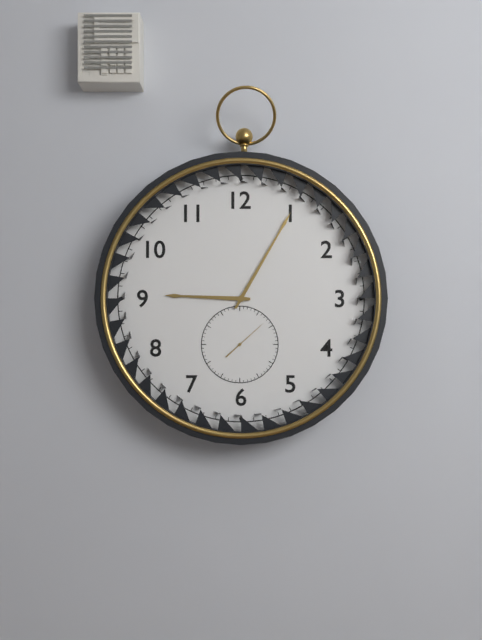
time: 9:05
